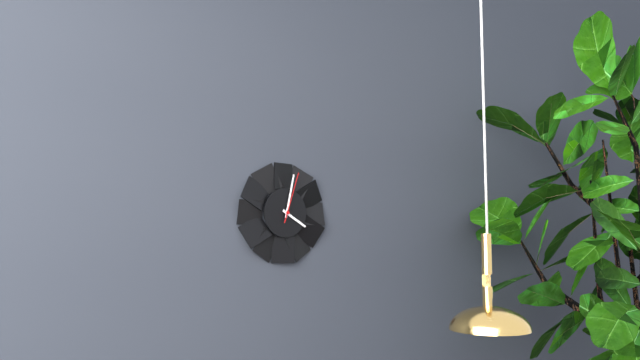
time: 4:02:03
